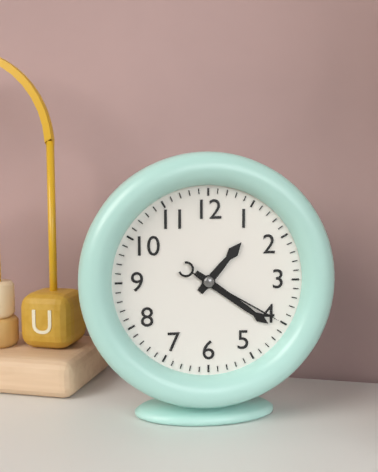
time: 1:21:20
